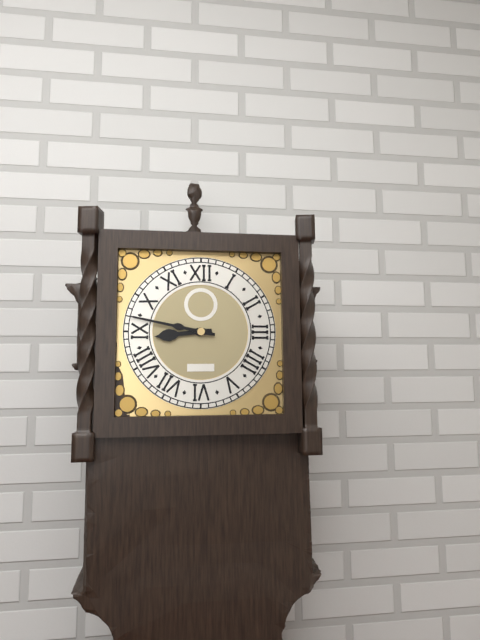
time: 8:47
